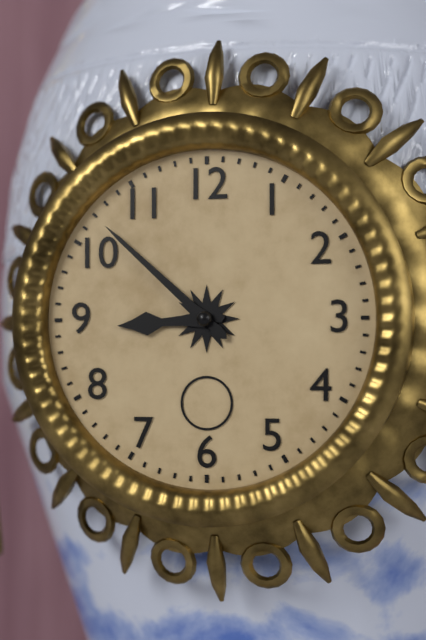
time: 8:52
